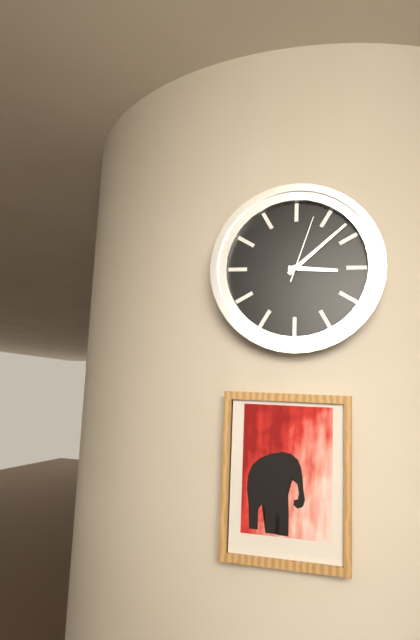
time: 3:08:03
